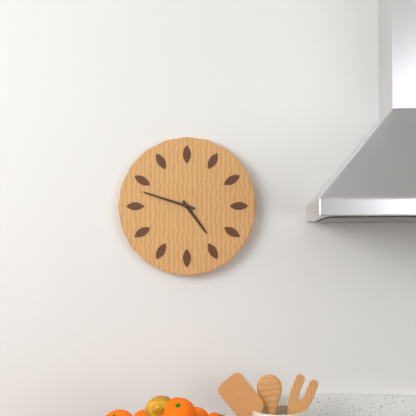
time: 4:48
